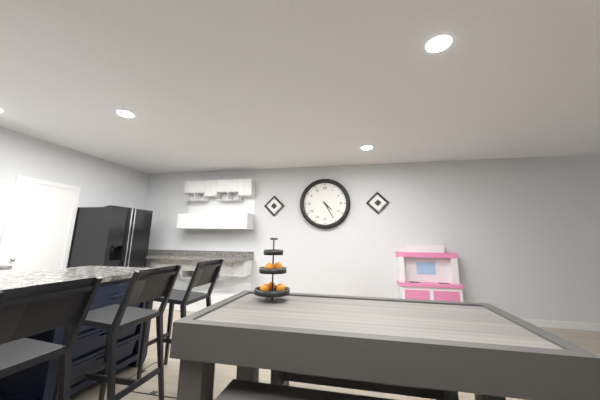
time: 4:25
